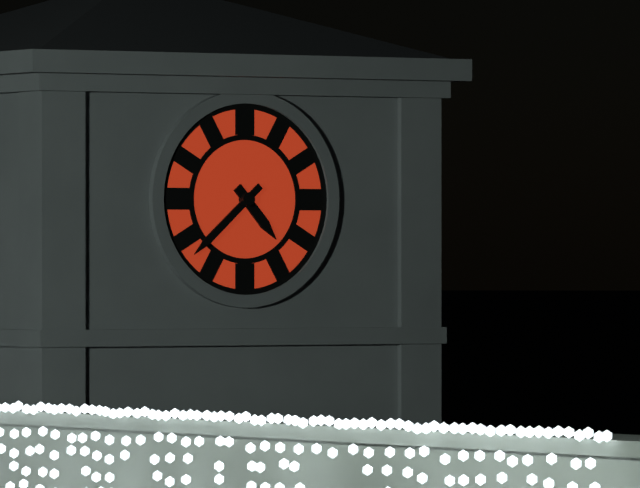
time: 4:38
